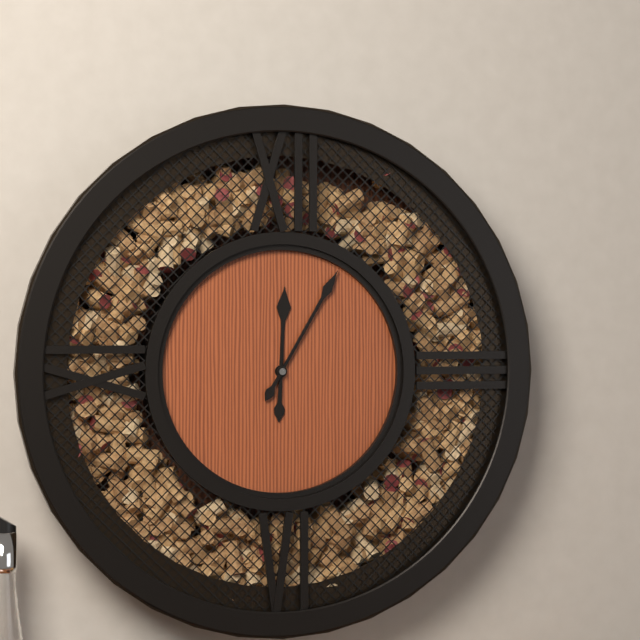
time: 12:05
